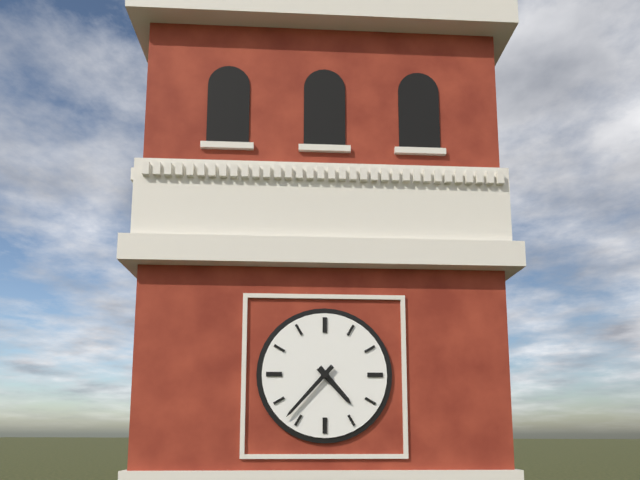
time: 4:37
